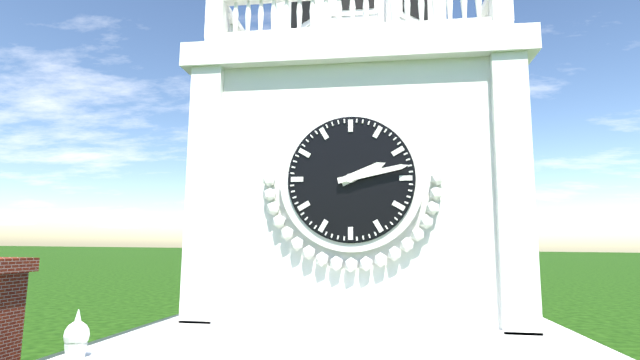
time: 2:13
